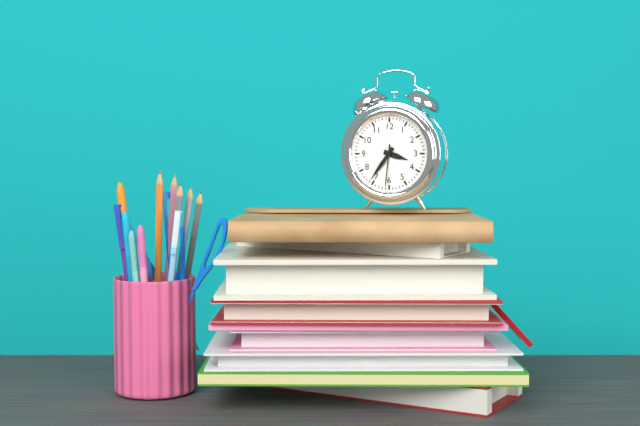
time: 3:36
